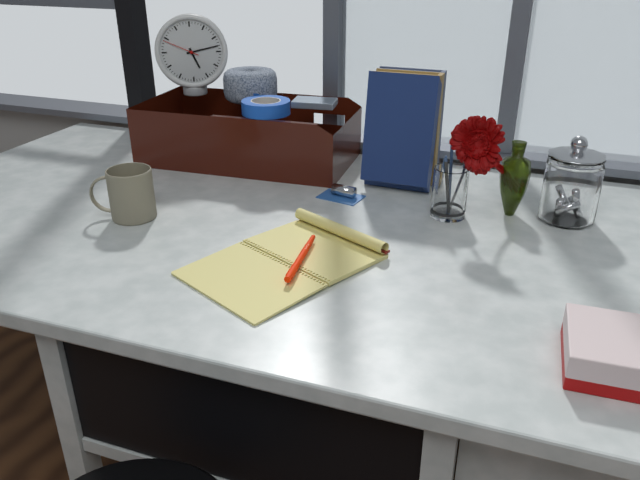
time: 5:13
